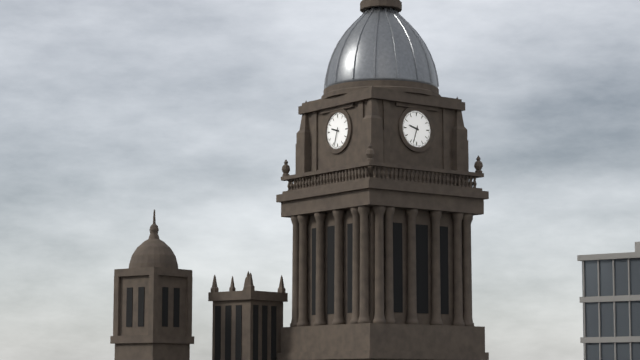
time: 9:33
